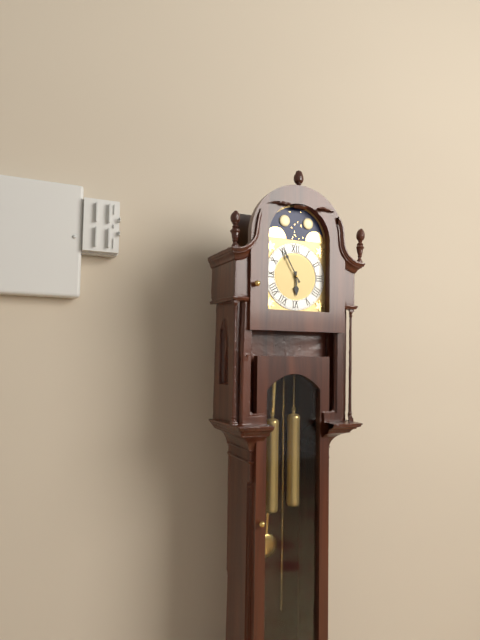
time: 5:55
